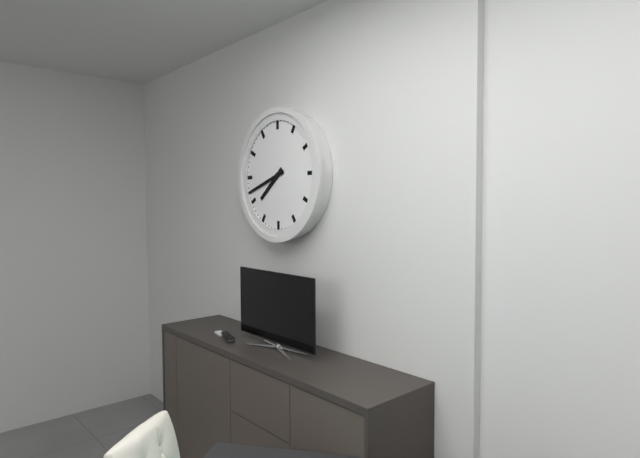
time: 7:42
